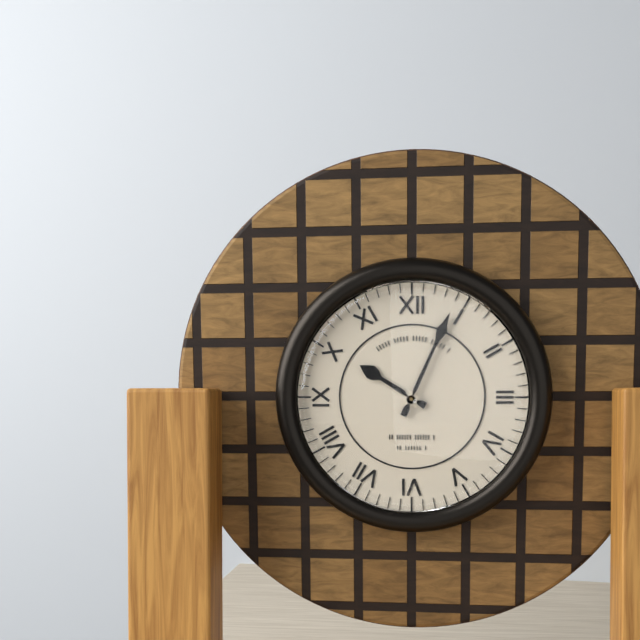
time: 10:04
